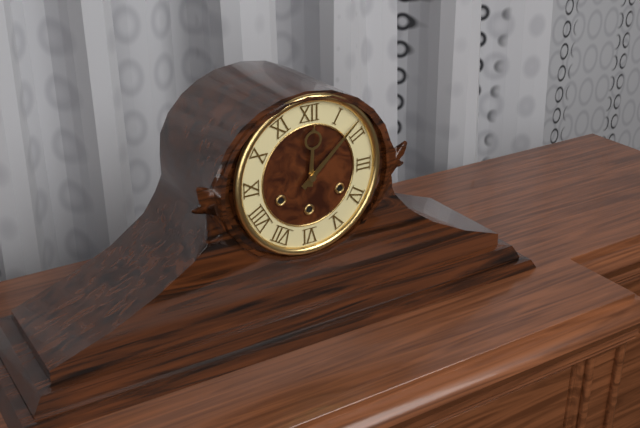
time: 12:08
